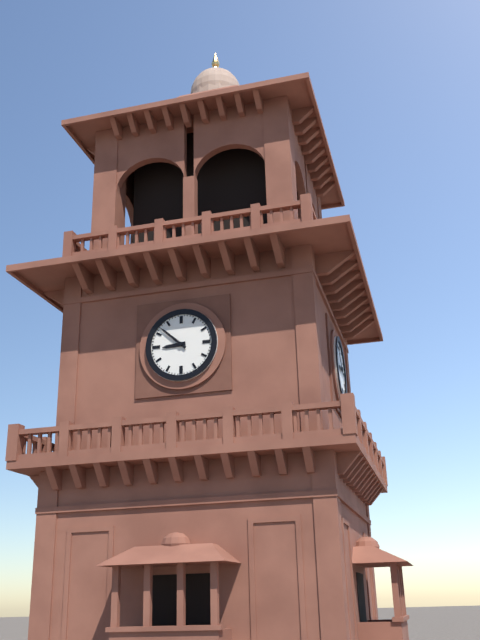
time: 8:52
